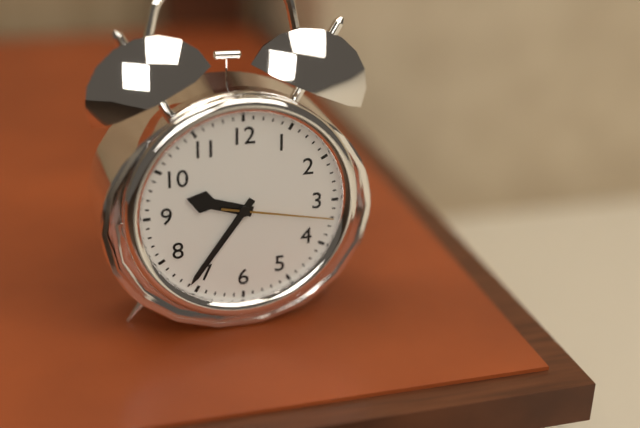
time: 9:36:17
